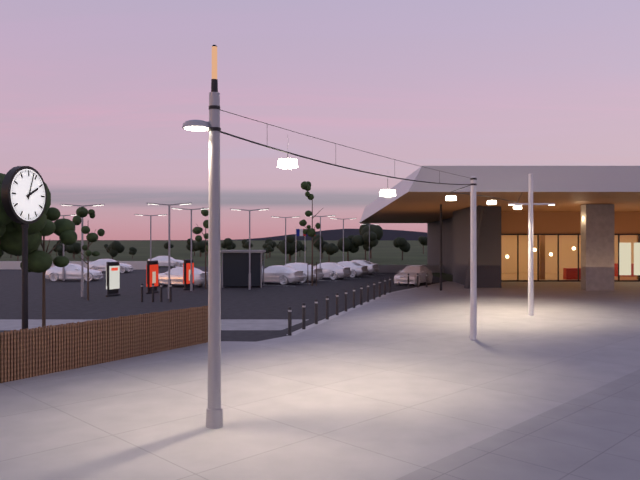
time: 2:03
